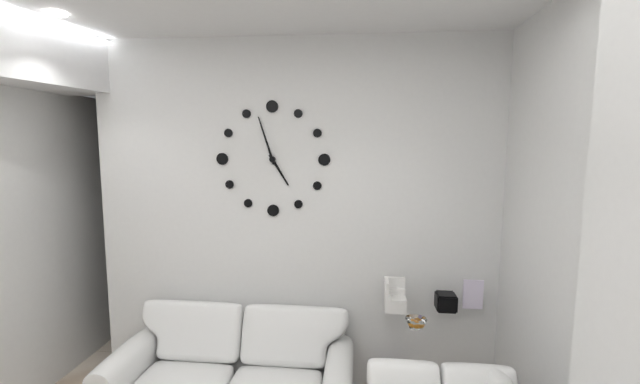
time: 4:57
